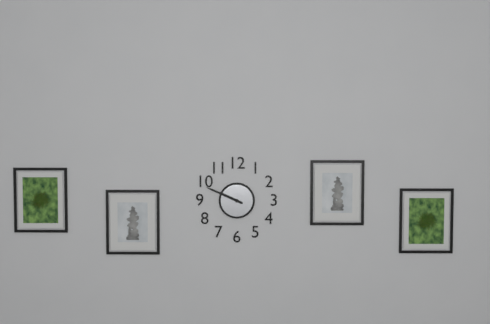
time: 9:49
